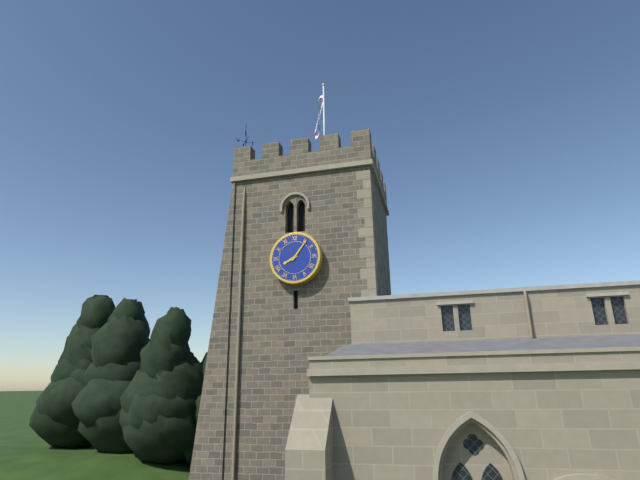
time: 8:06
